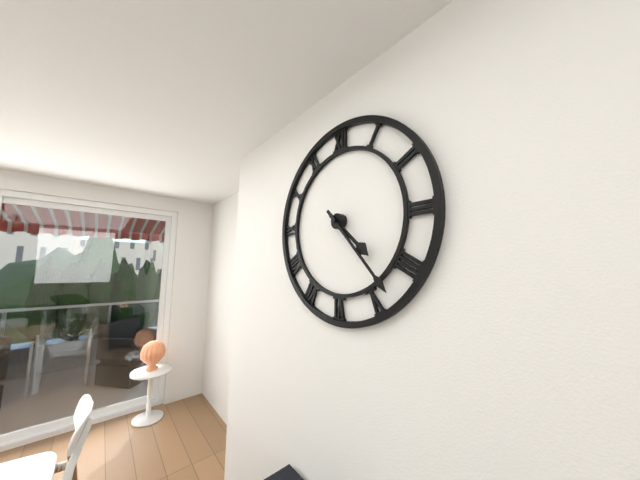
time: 4:23
